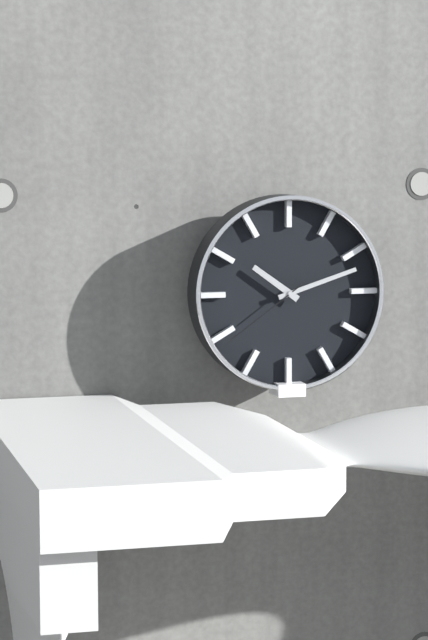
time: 10:12:39
